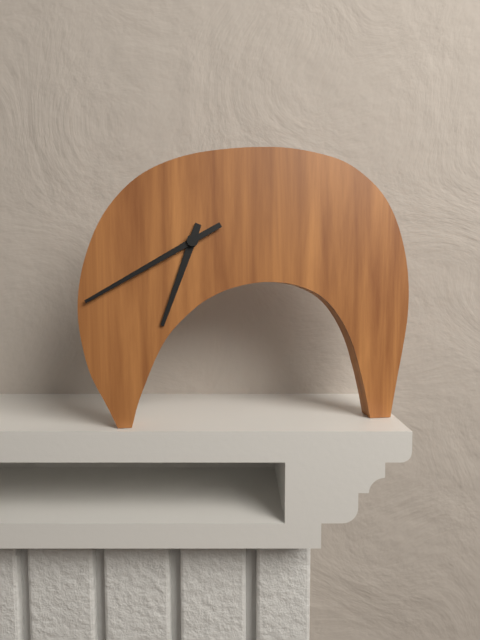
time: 6:40
